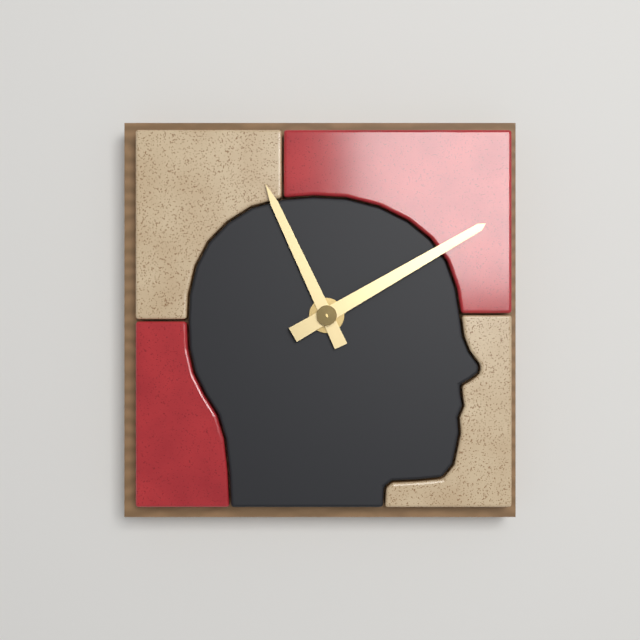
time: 11:10
